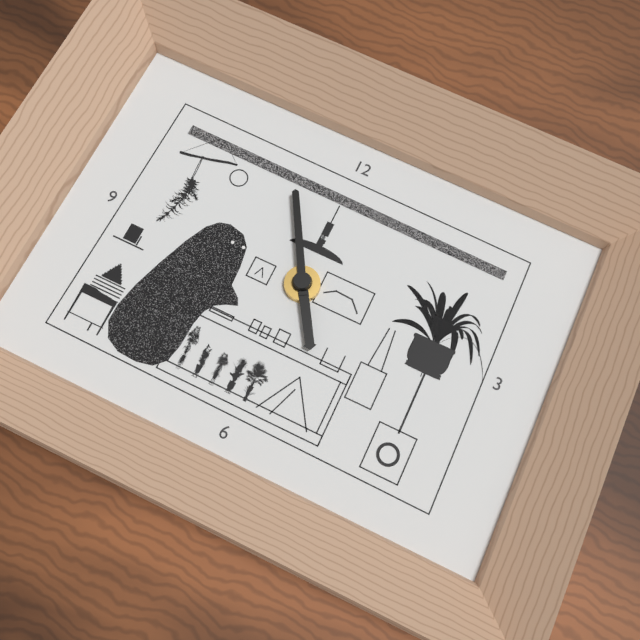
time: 4:55
